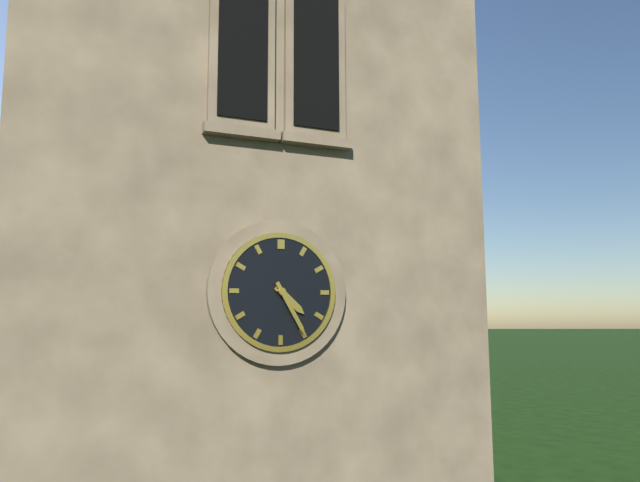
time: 4:25
